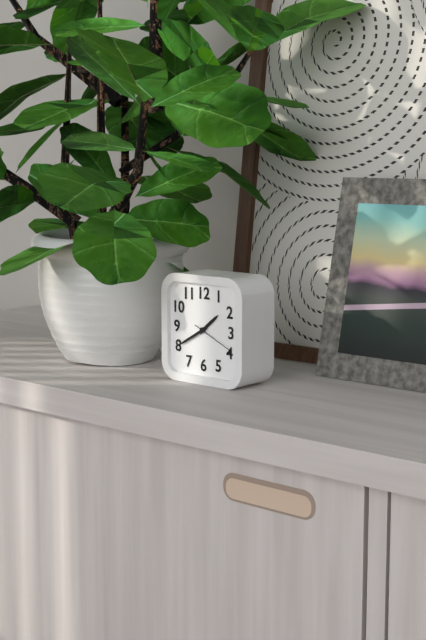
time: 1:40
